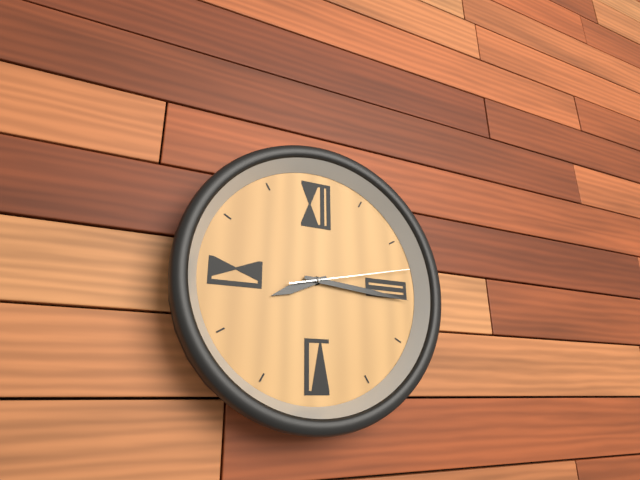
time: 8:16:13
